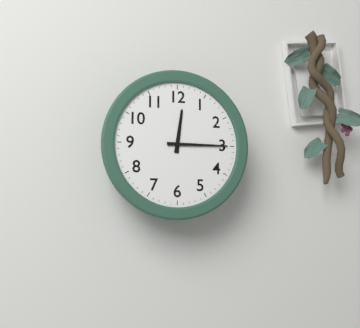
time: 12:15
